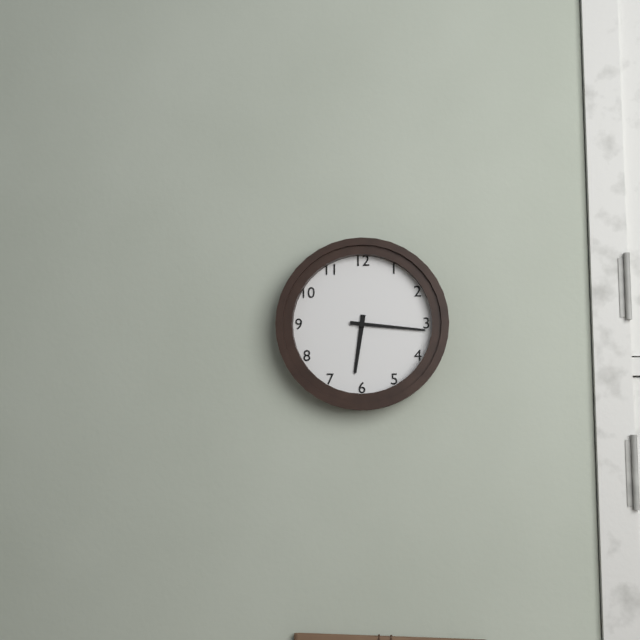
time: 6:16
